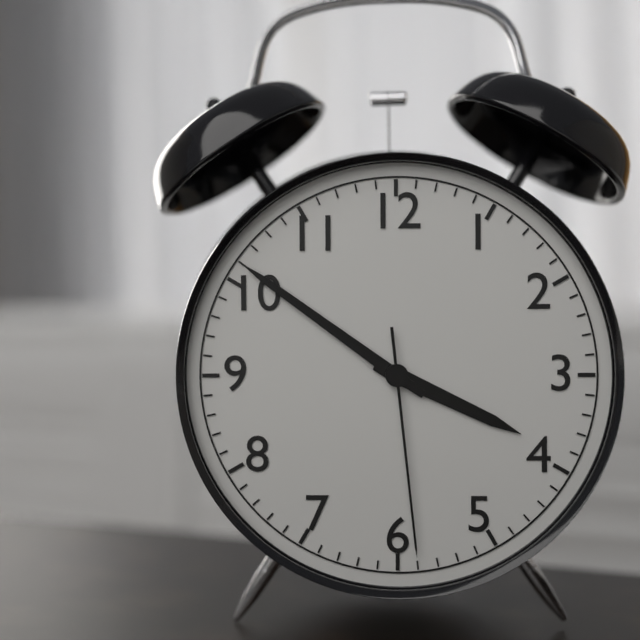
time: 3:51:29
